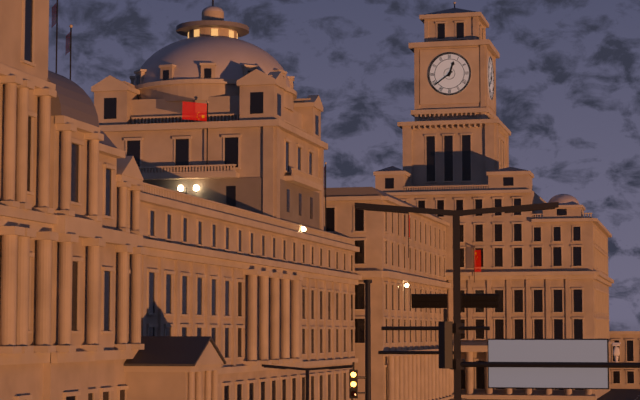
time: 12:39
